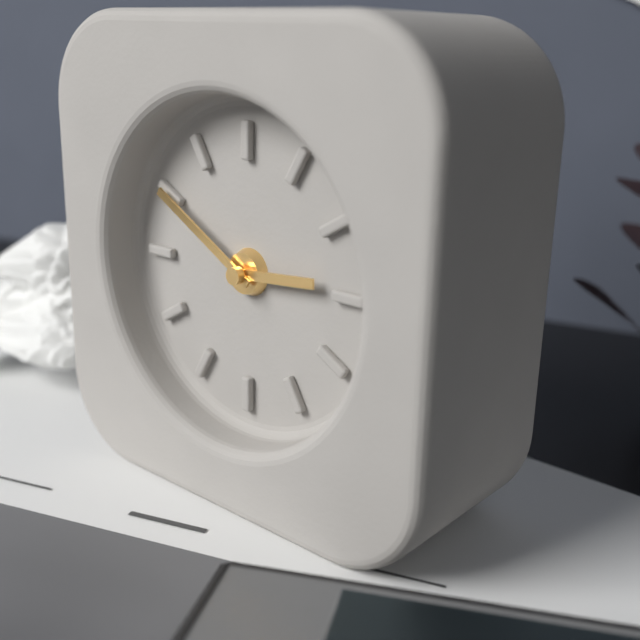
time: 2:50
